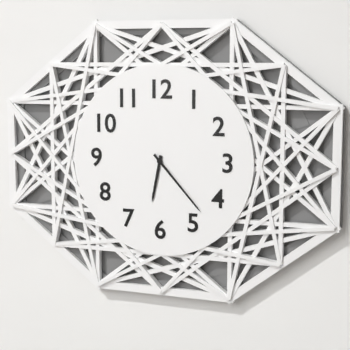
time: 6:23
